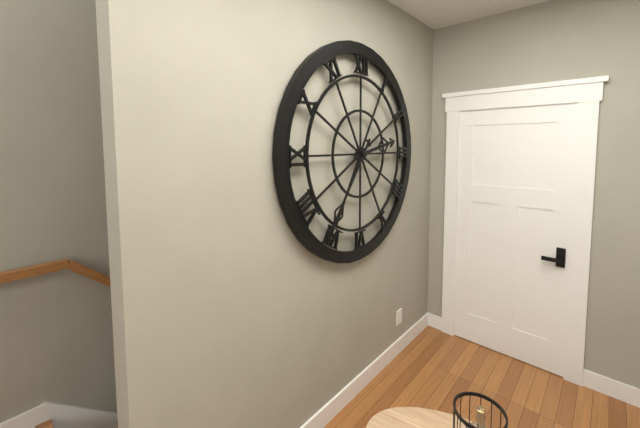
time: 2:36
